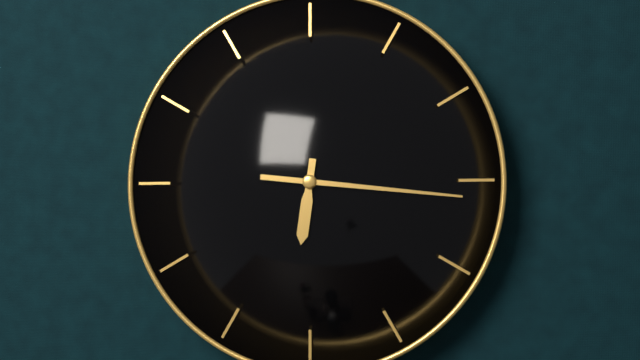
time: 6:16
